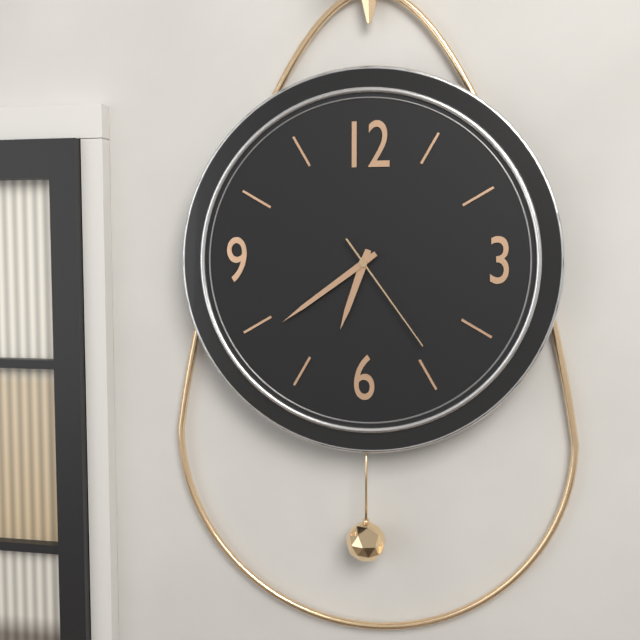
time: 6:39:24
